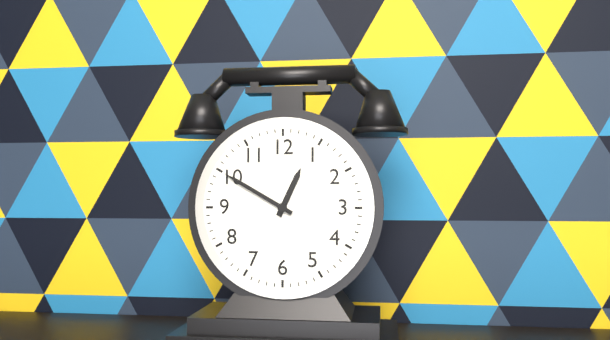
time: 12:50
